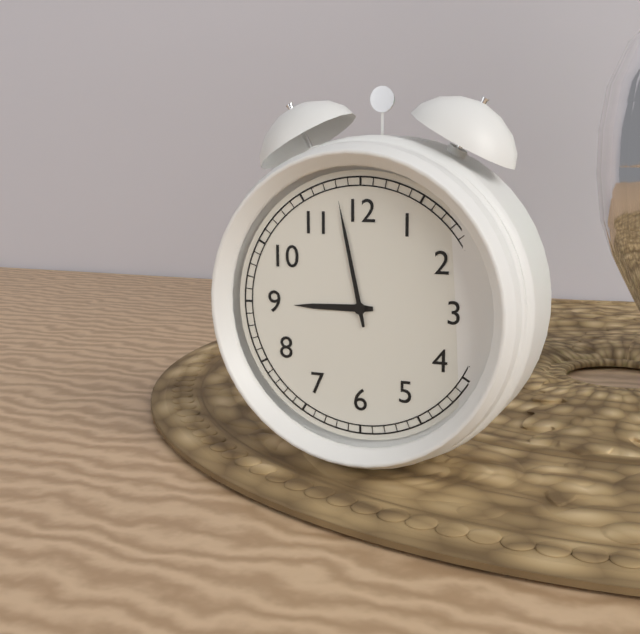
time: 8:58
